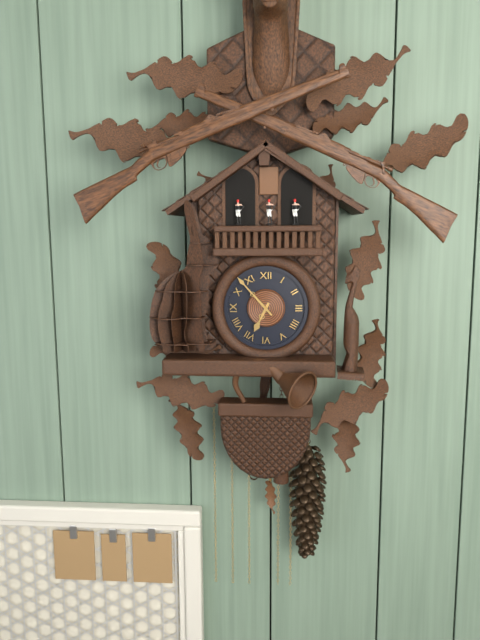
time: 6:53
